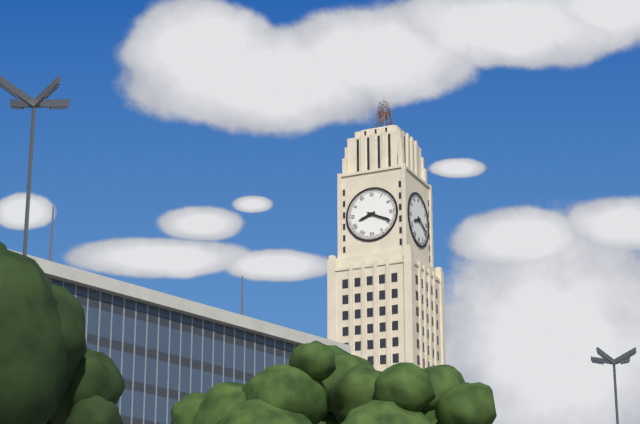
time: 8:19
